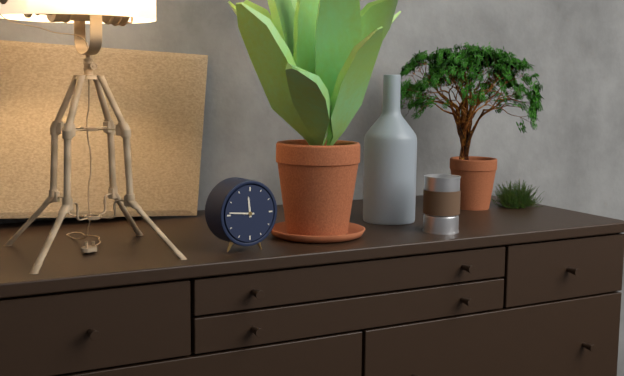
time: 11:46
